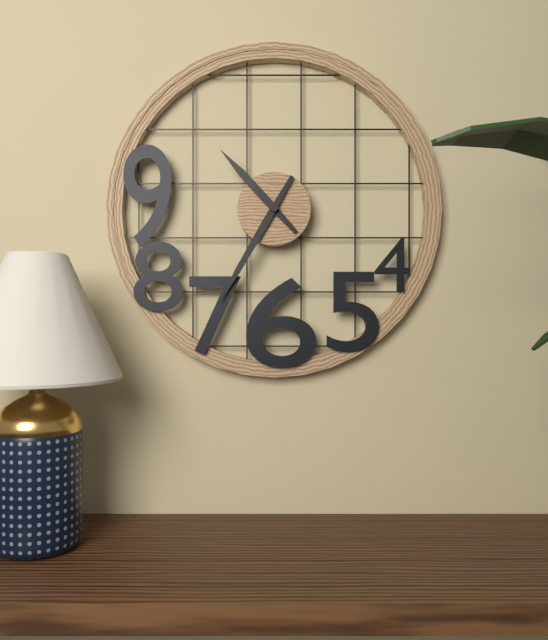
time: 10:35
